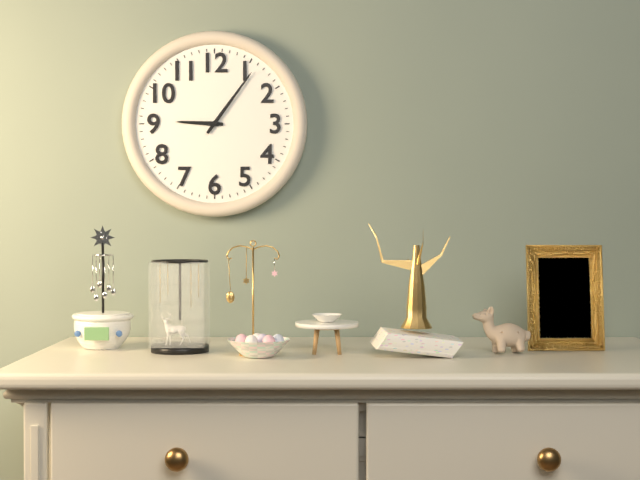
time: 9:06
